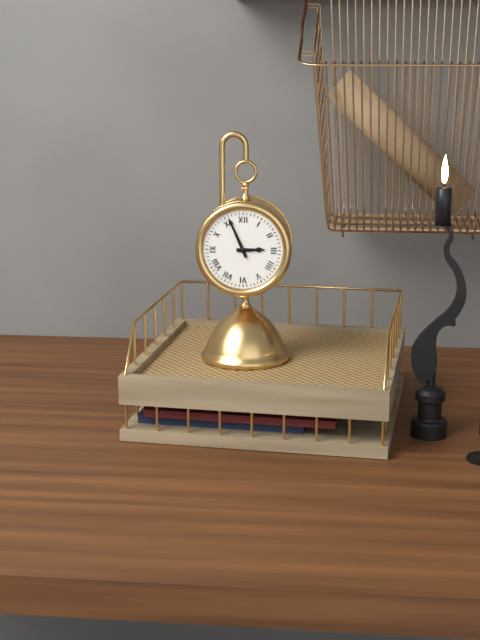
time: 2:56
